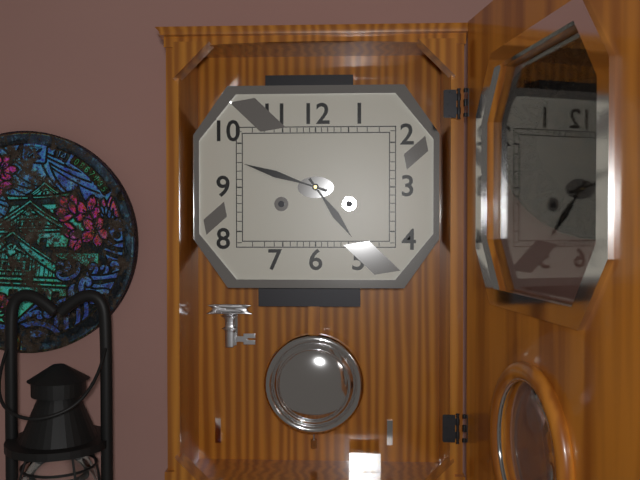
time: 4:48
